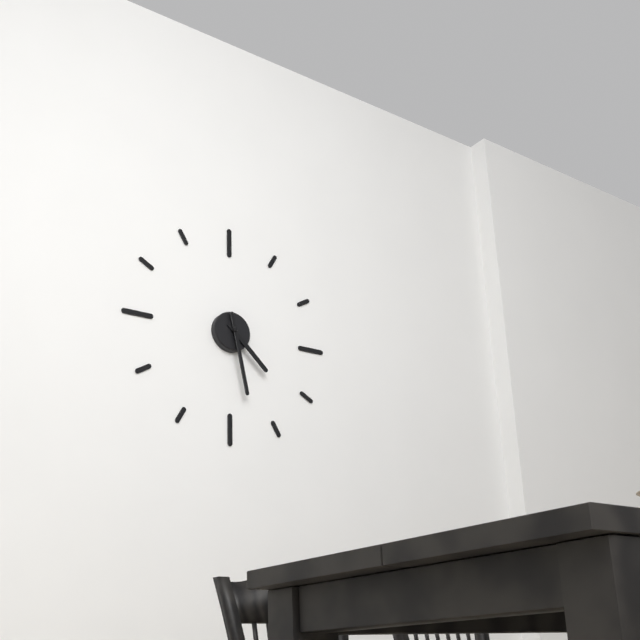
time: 4:28
